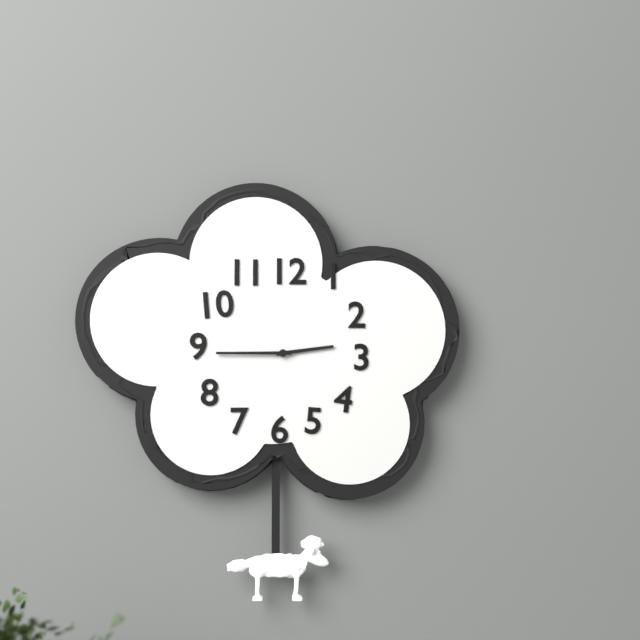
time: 2:45
